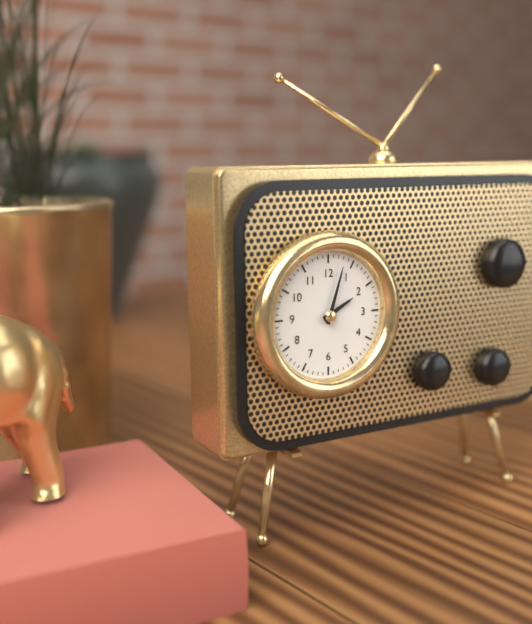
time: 2:03
